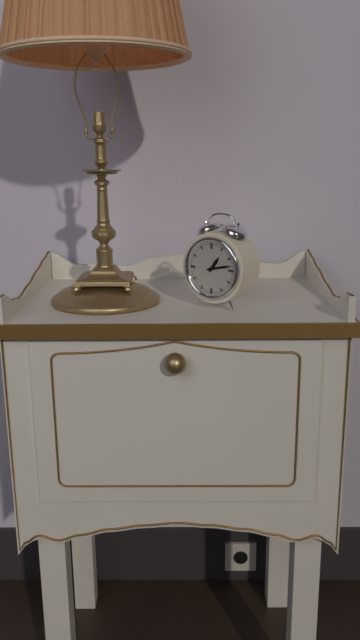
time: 1:13
